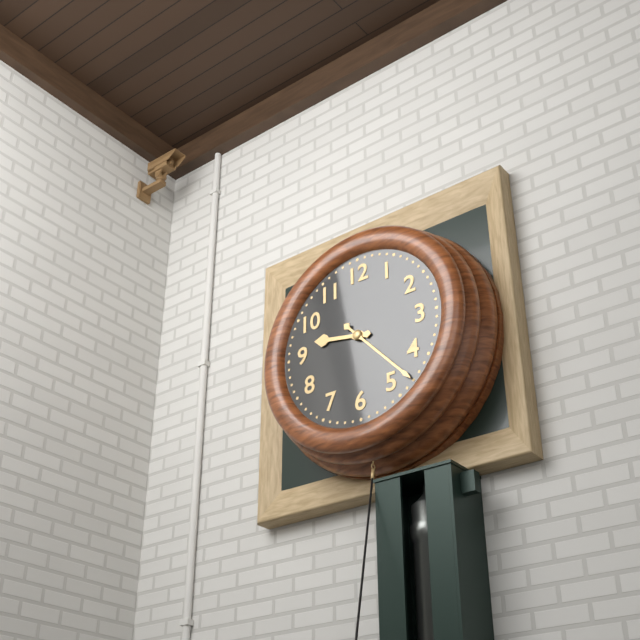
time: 9:23
